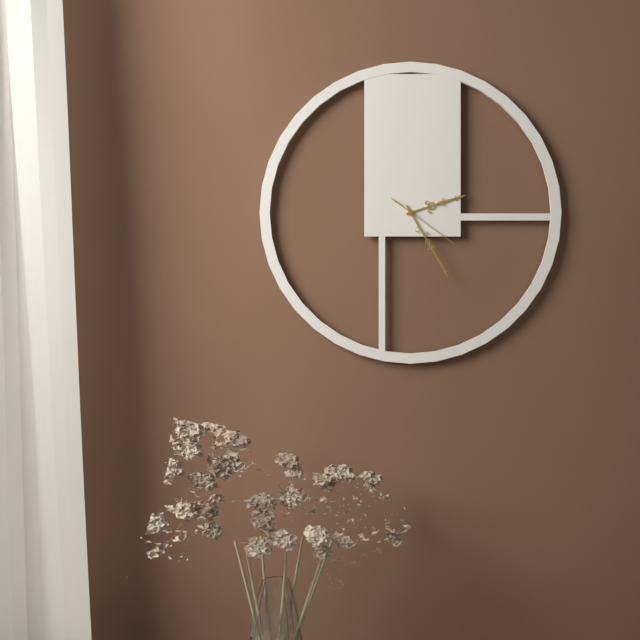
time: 2:25:21
